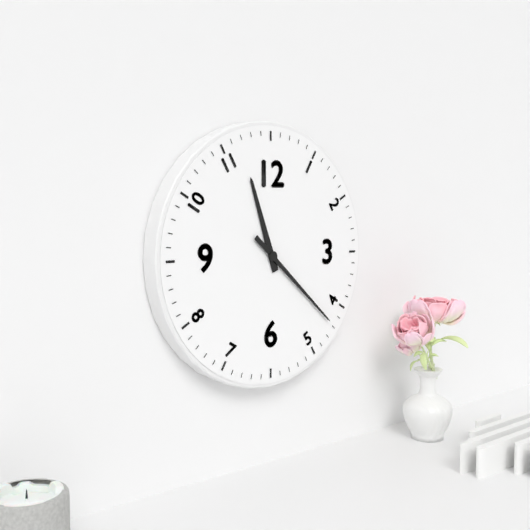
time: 11:22
